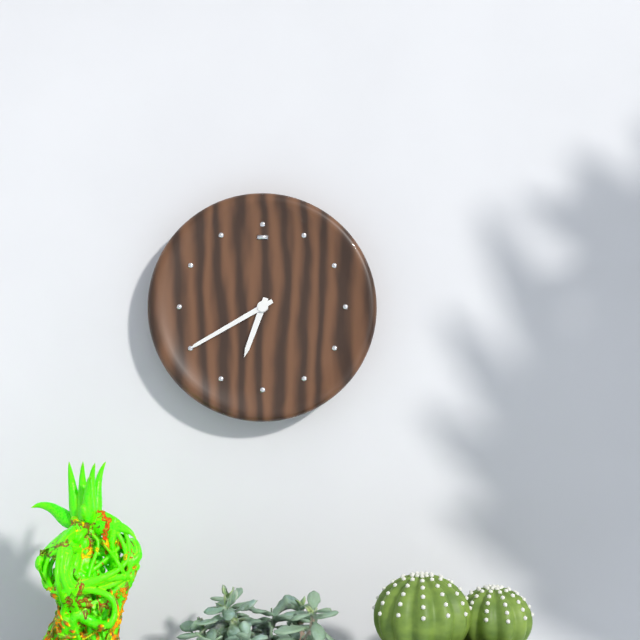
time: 6:40
